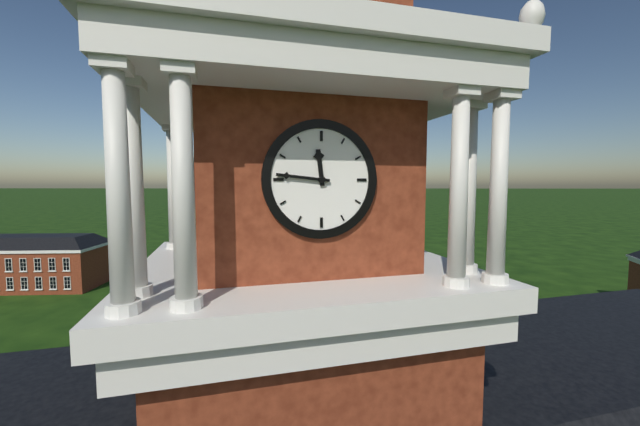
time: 11:46
